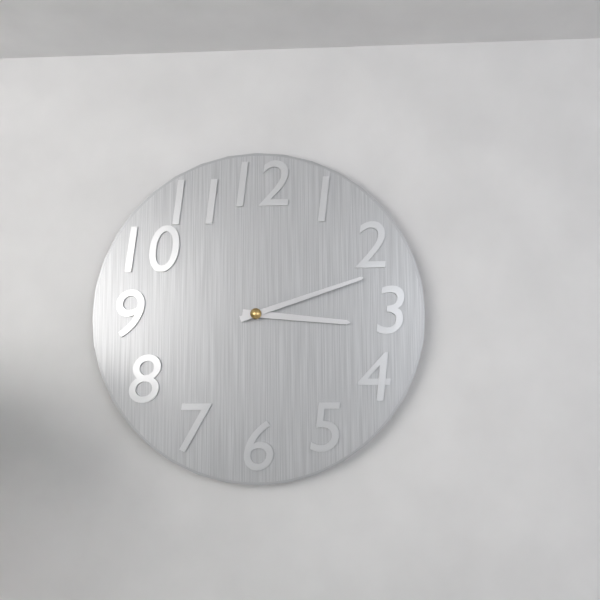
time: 3:12
